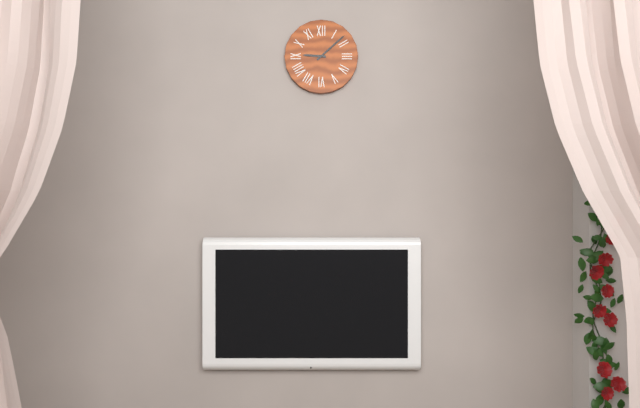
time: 9:08
